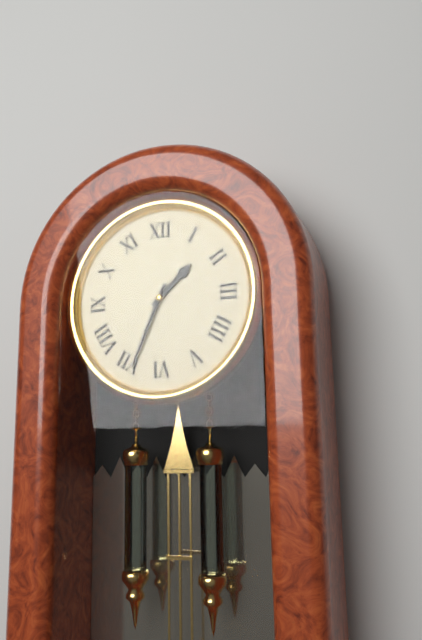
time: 1:34
